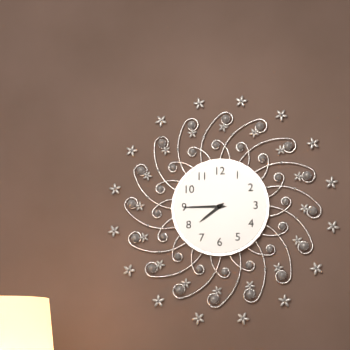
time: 7:45
